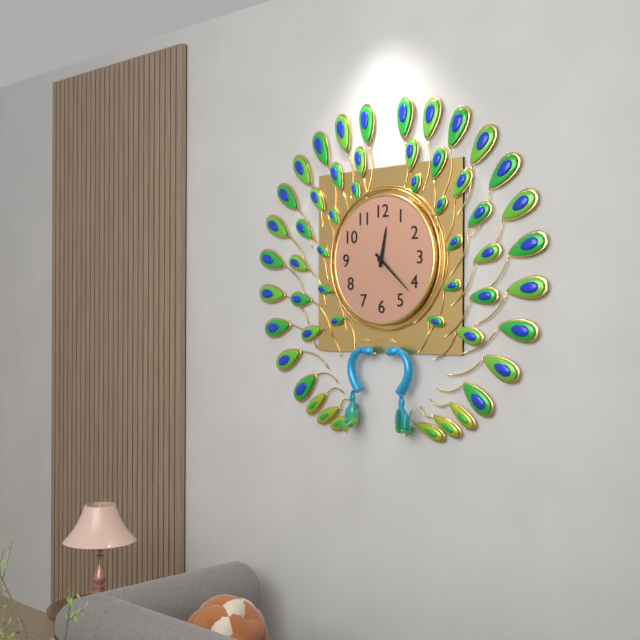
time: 12:22
